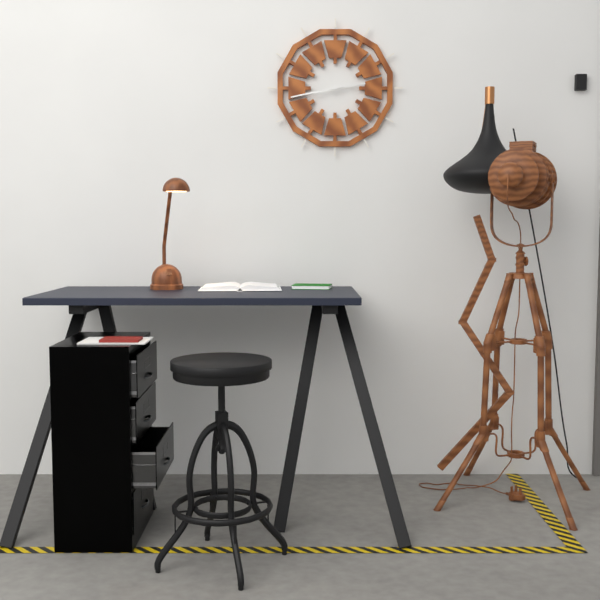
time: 2:43
